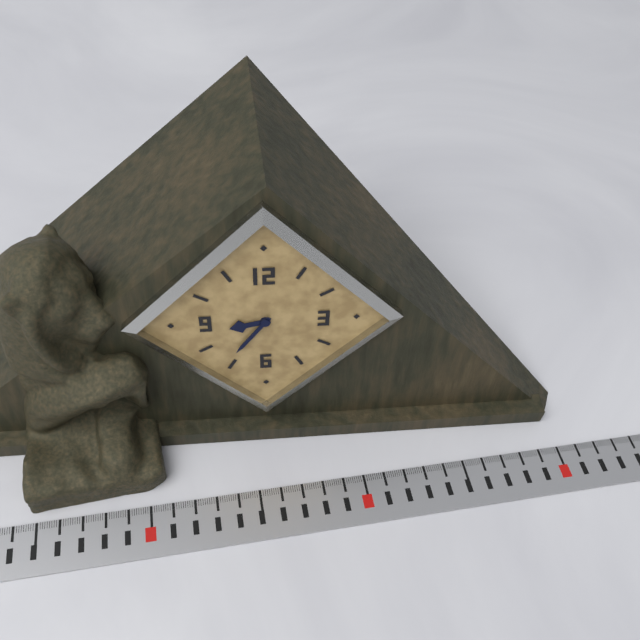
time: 8:36
